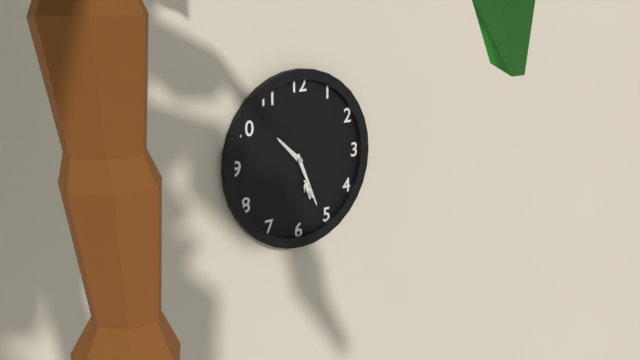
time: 10:26
